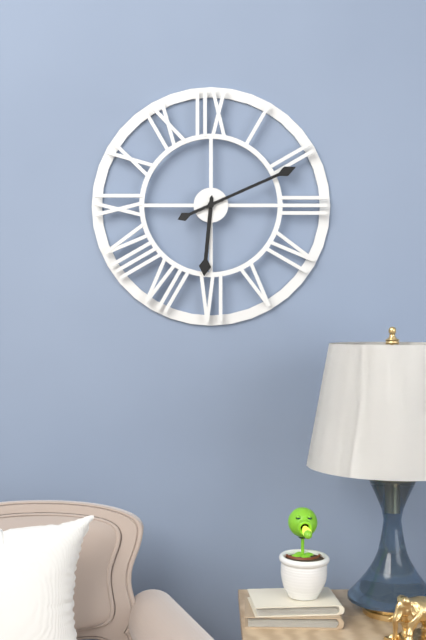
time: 6:11
